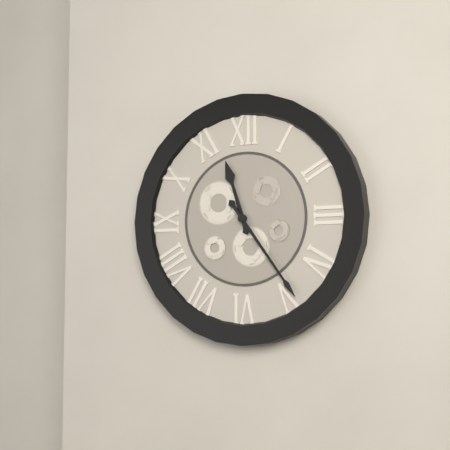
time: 11:24
